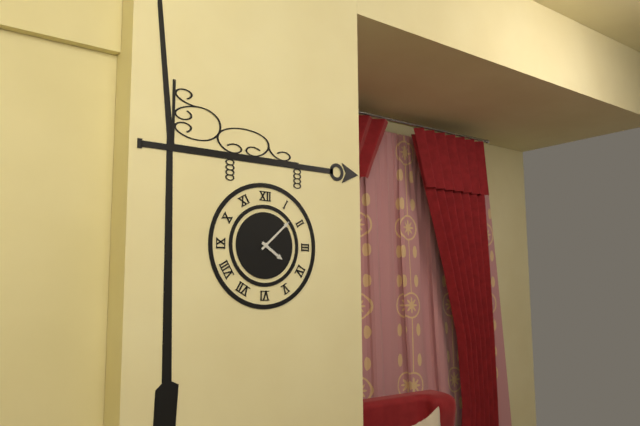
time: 4:08
